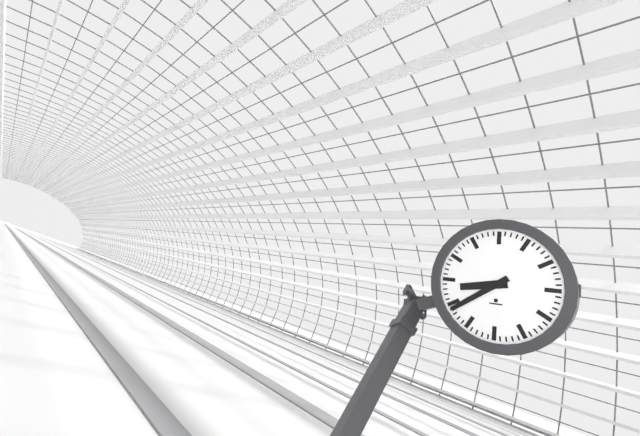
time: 8:39
